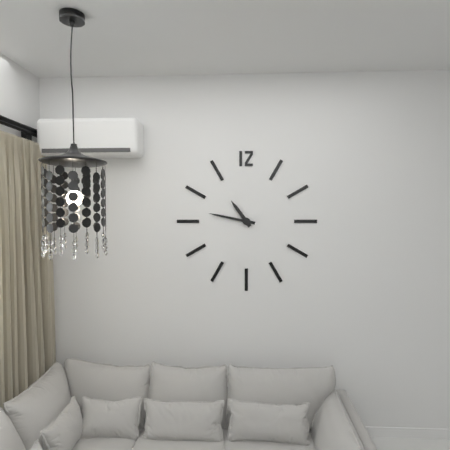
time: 10:47
